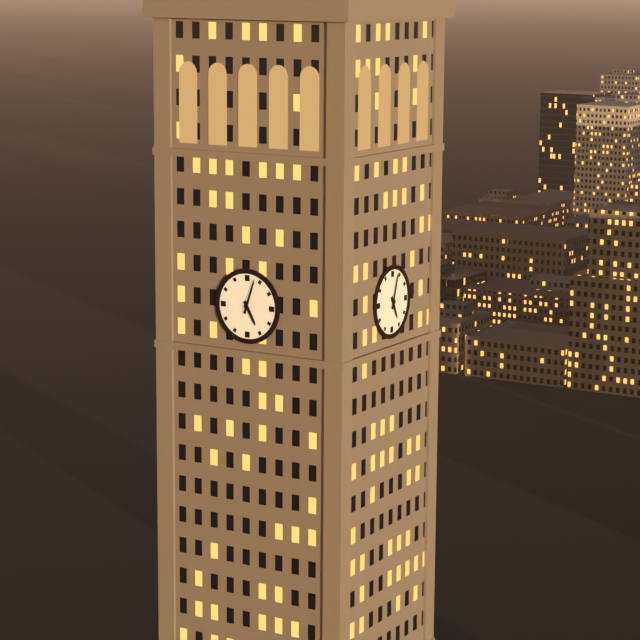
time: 5:03
